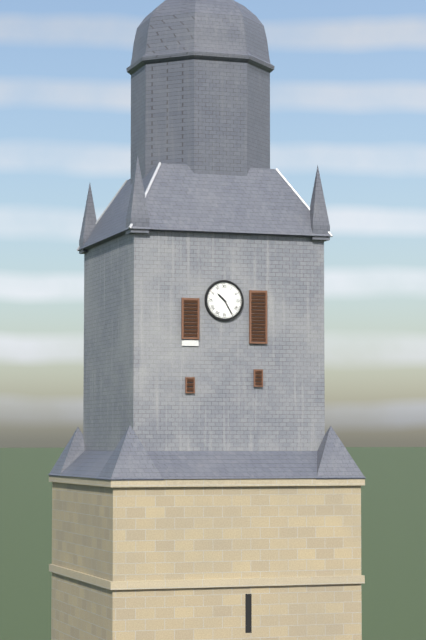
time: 10:25
